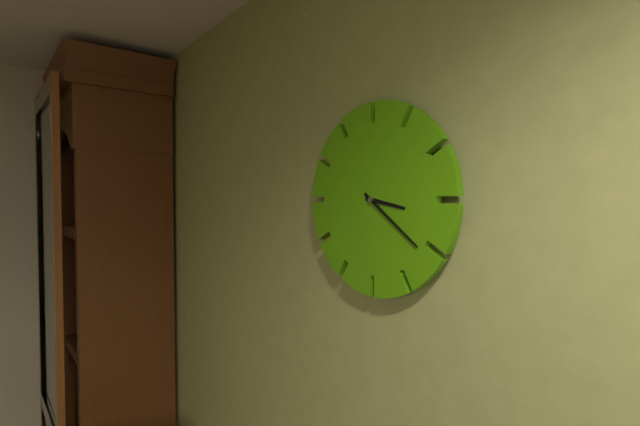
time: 3:21
